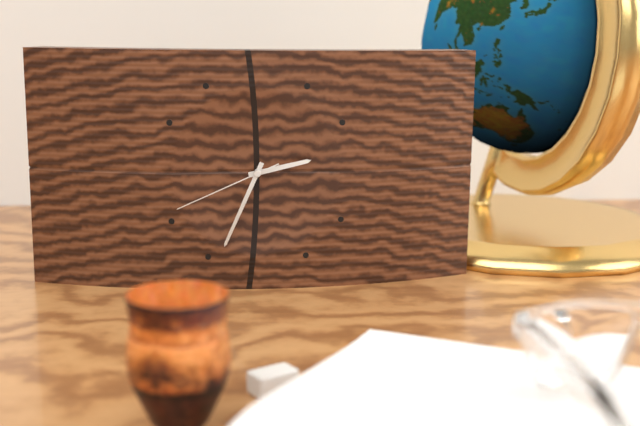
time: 2:34:41
